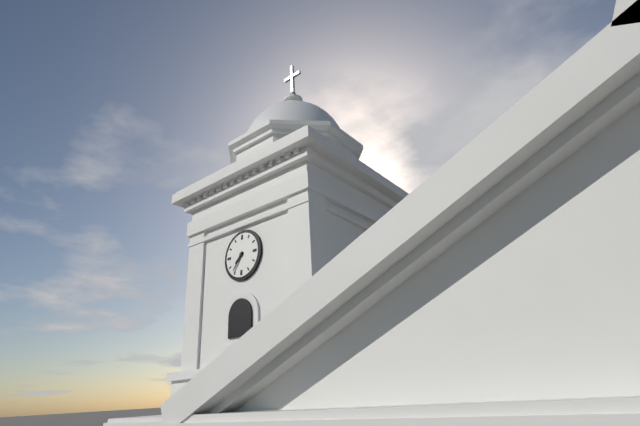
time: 7:36
